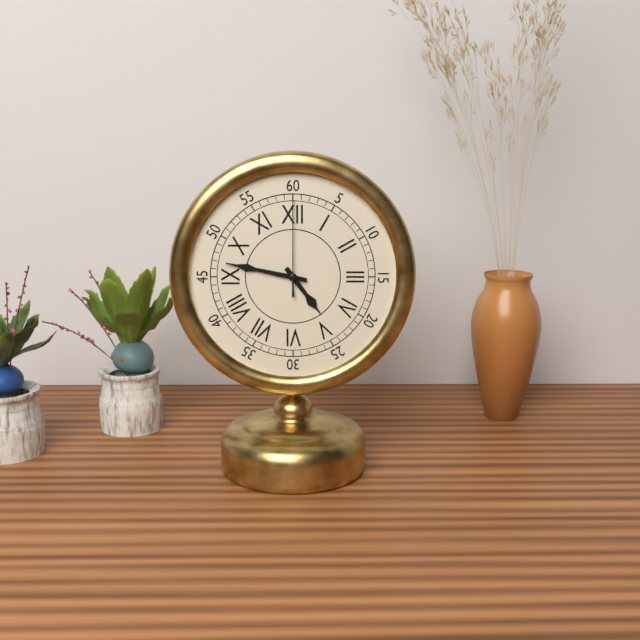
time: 4:47:00
